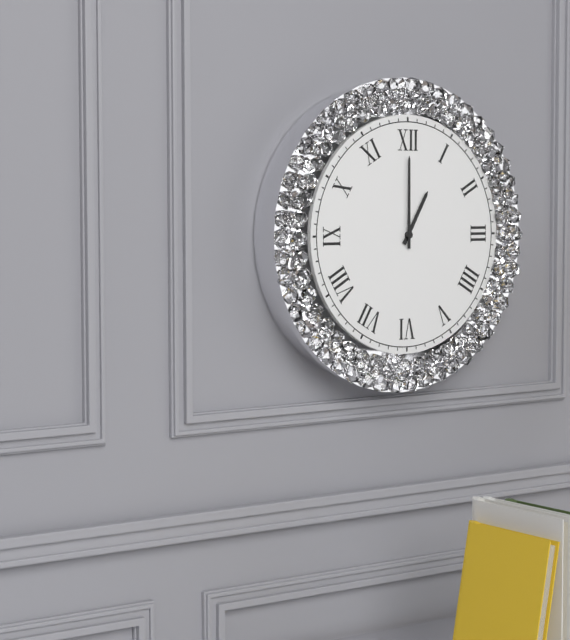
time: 1:00
